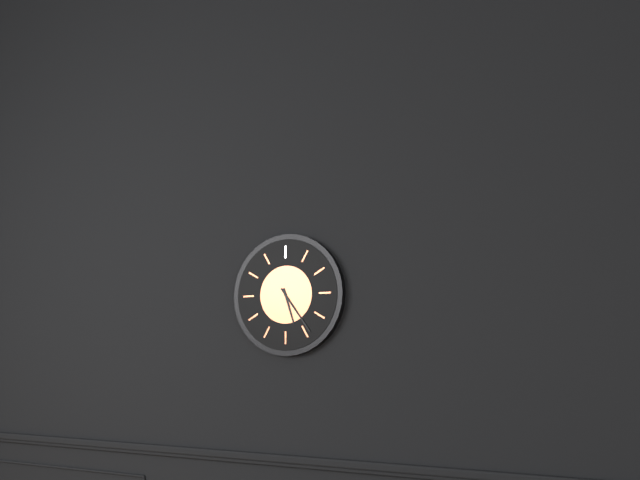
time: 5:24
